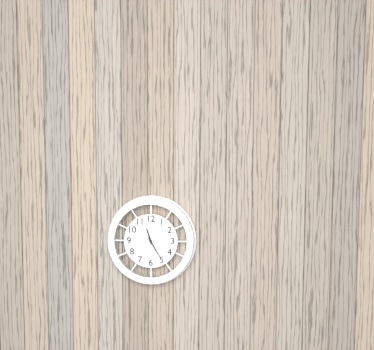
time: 11:25
